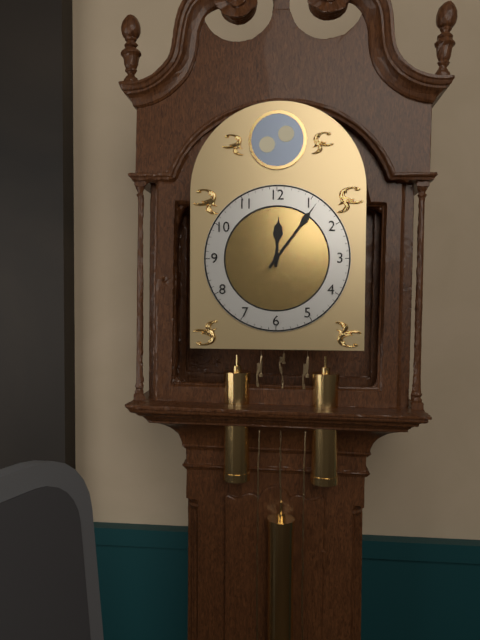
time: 12:06
